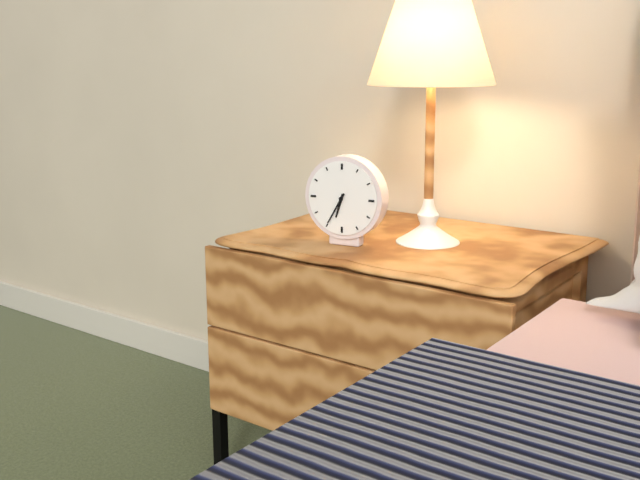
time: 6:35
